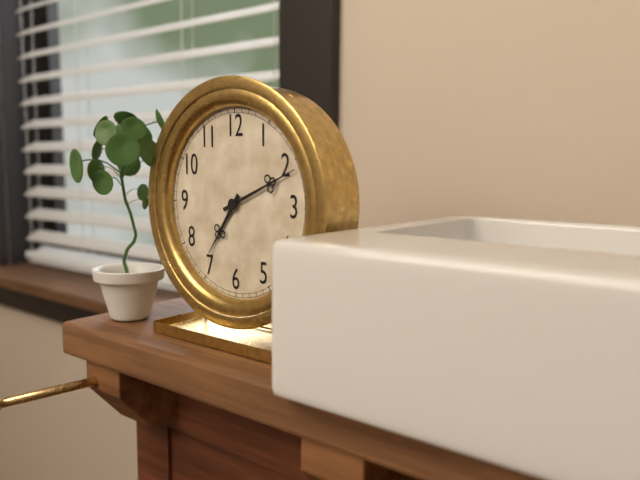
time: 7:11
